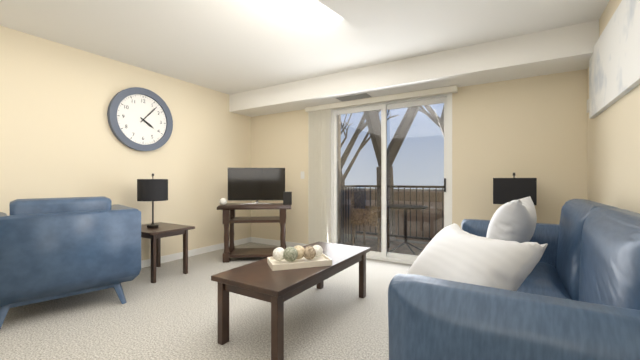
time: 4:07
